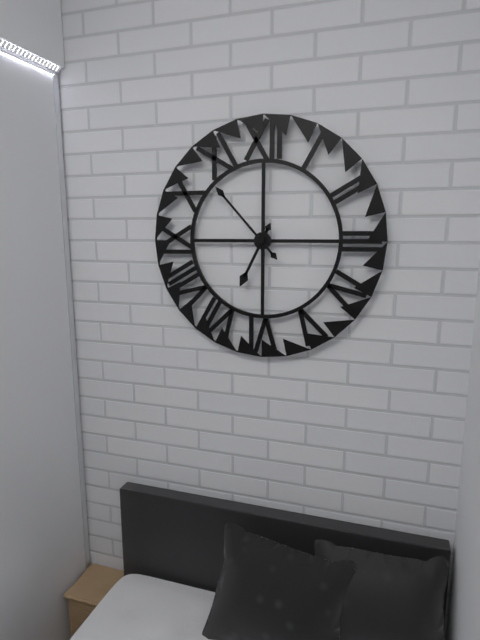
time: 6:53
